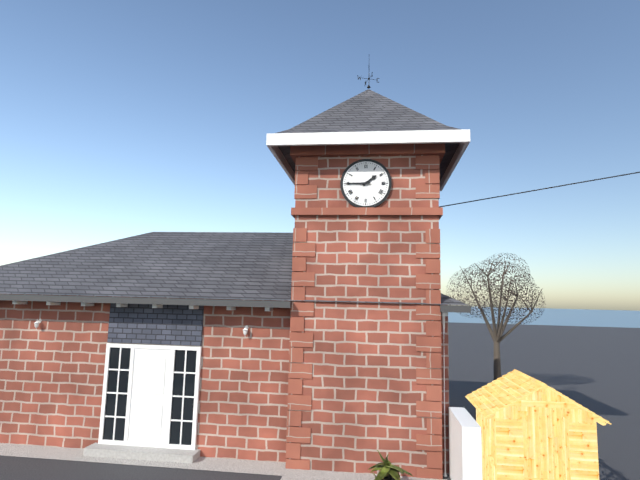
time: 1:45
